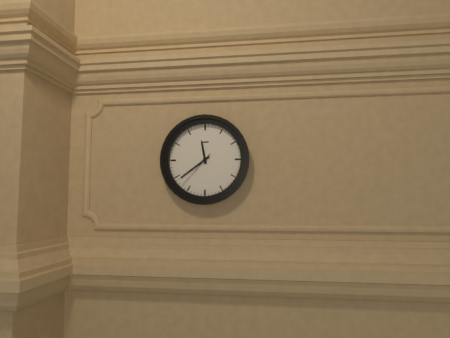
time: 11:39
